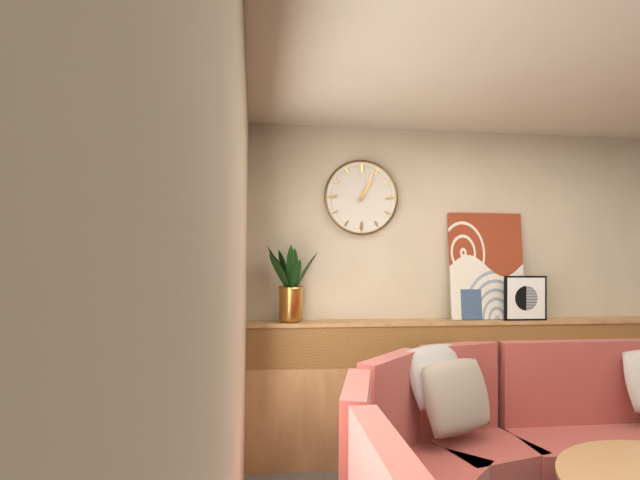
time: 1:04
